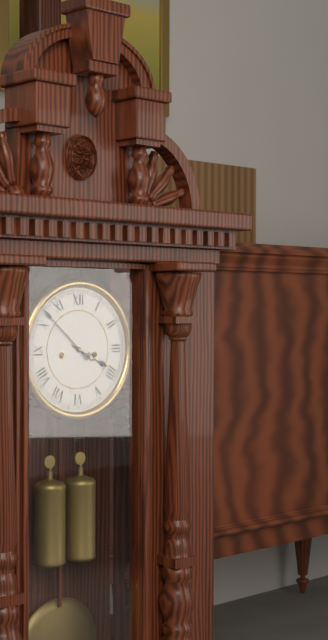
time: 3:52
